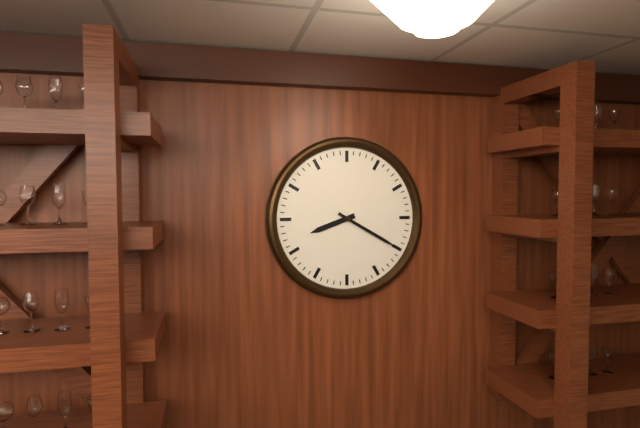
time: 8:20
